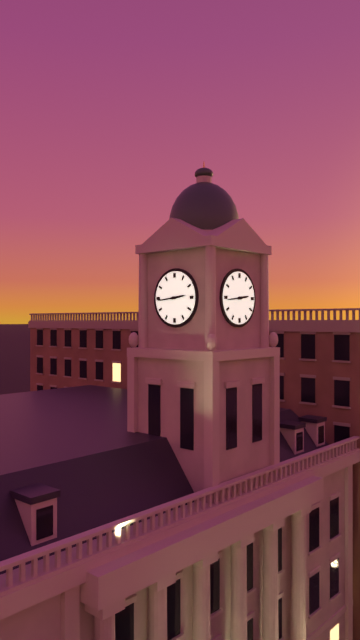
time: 2:44
